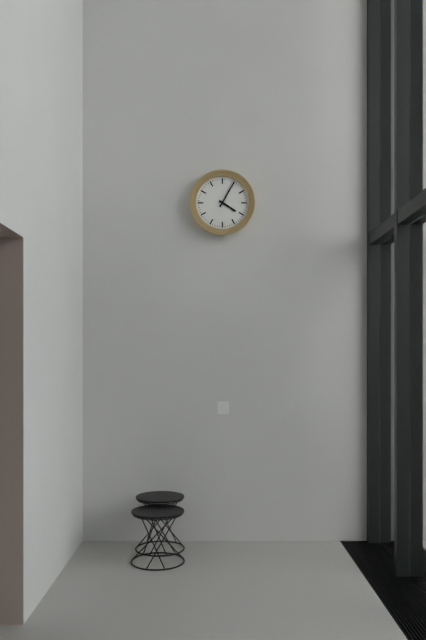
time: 4:05
